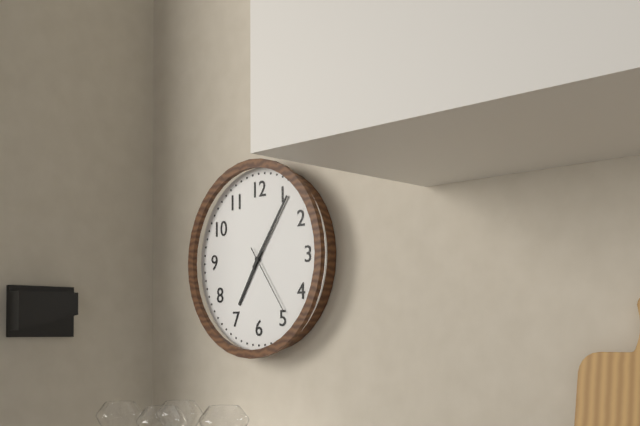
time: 7:06:24
